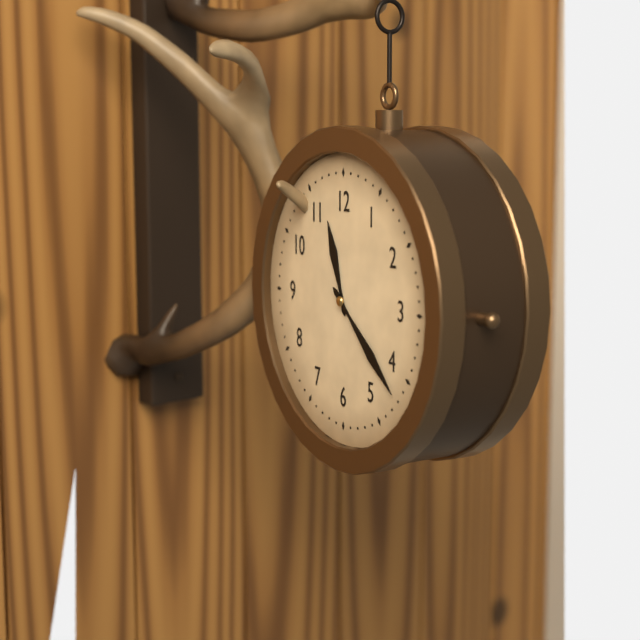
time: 11:22
